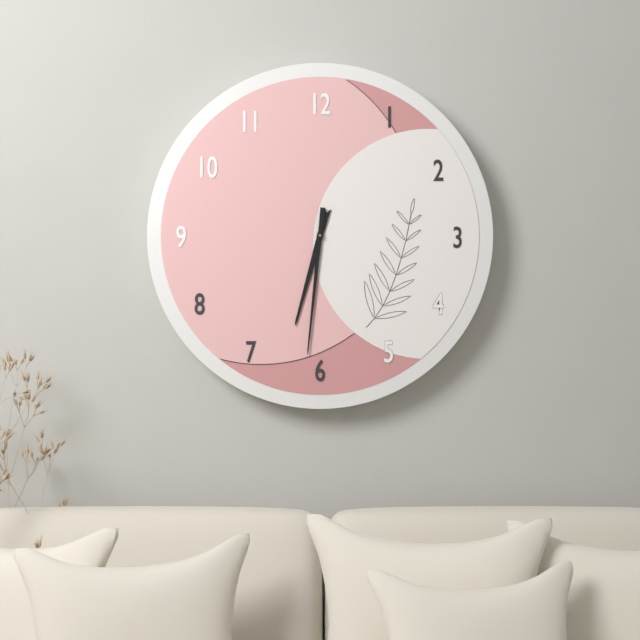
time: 6:31
